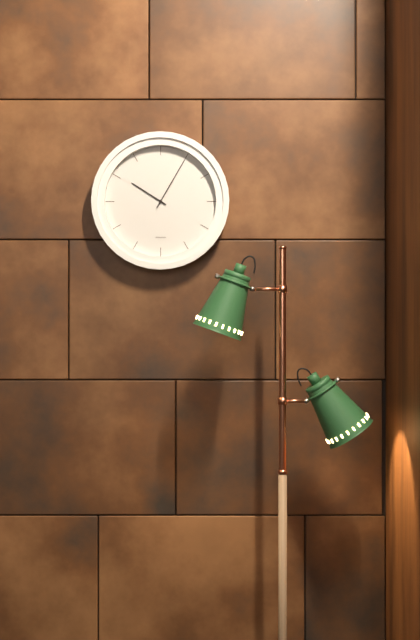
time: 10:05
